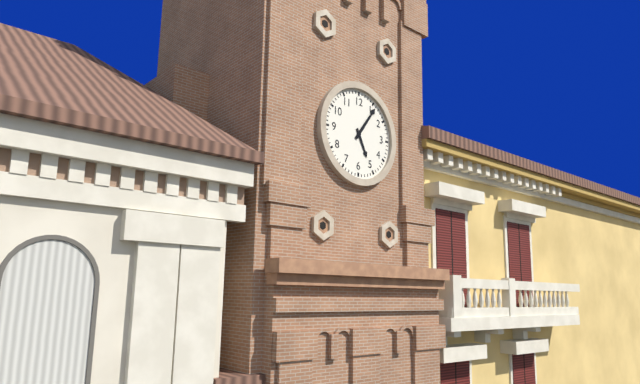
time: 5:06
